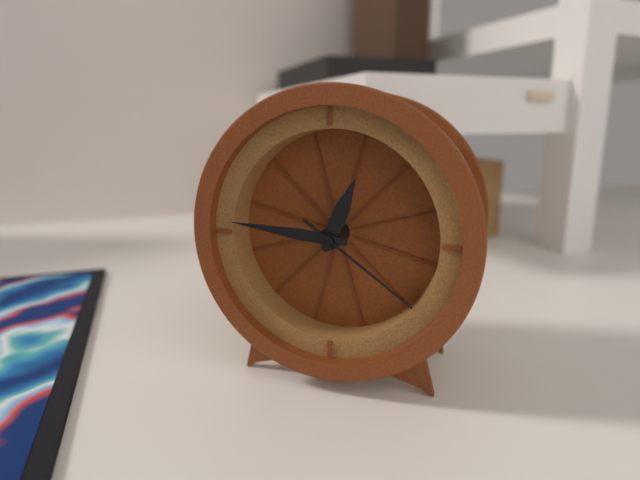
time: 12:46:21
